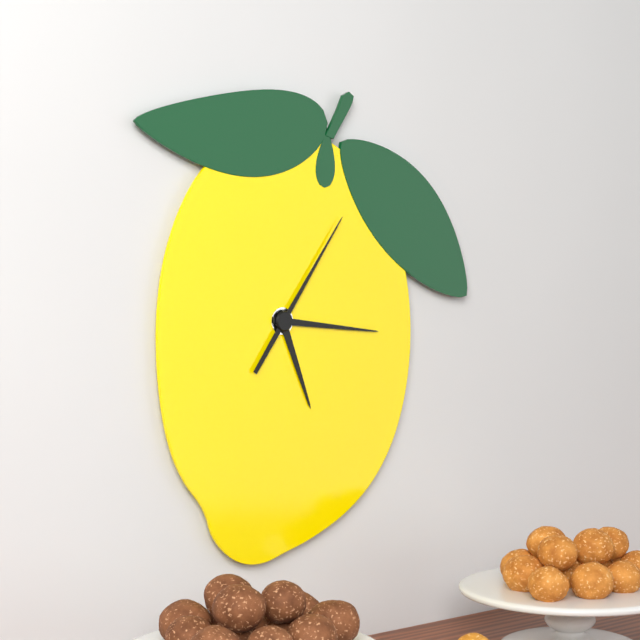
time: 5:16:06
